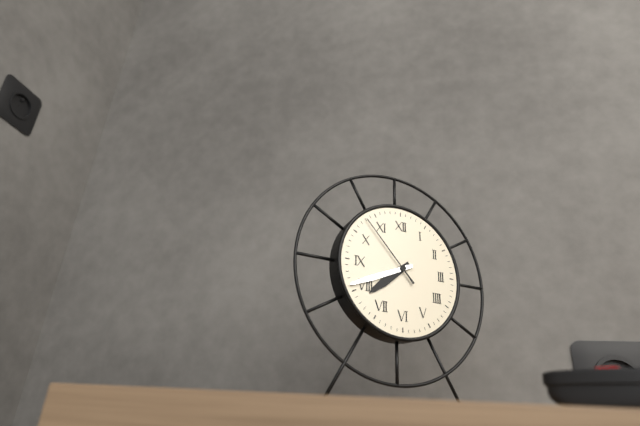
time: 7:41:53
